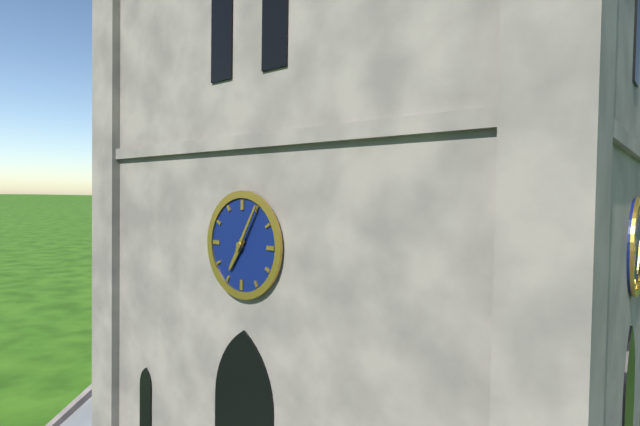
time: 7:05
